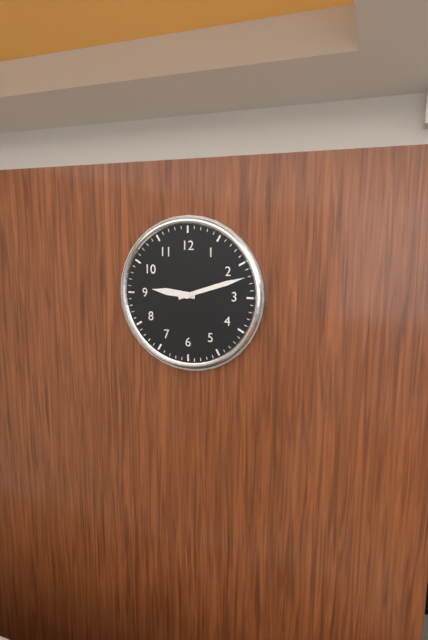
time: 9:12
